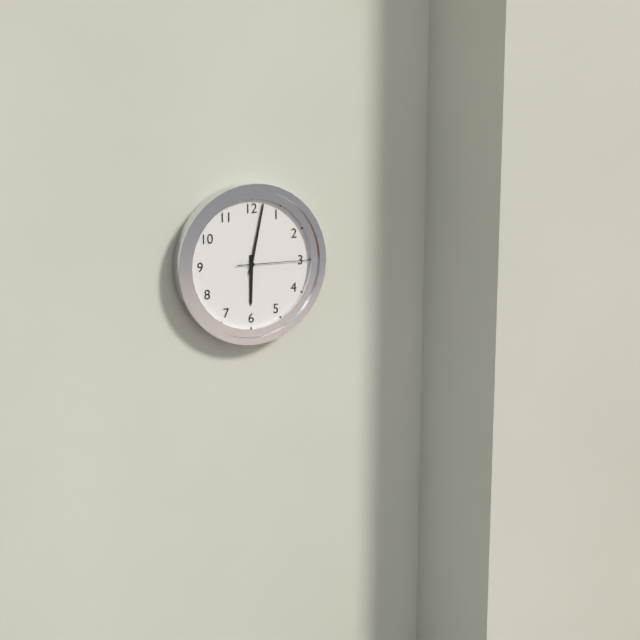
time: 6:02:15
